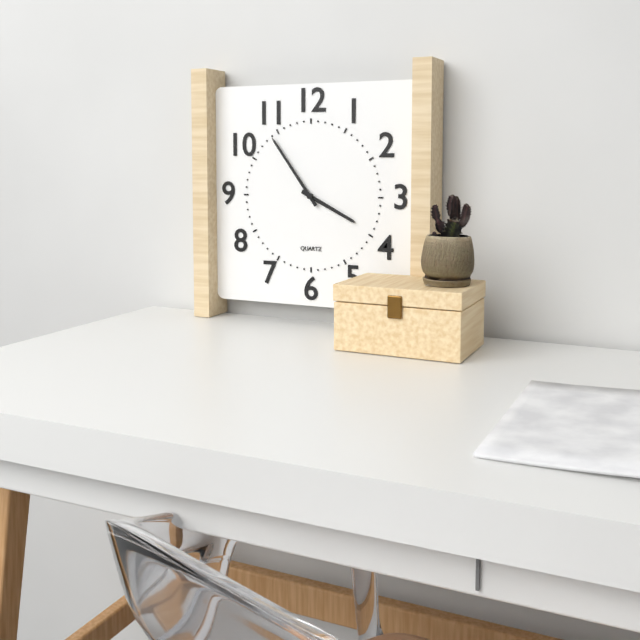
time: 3:54
